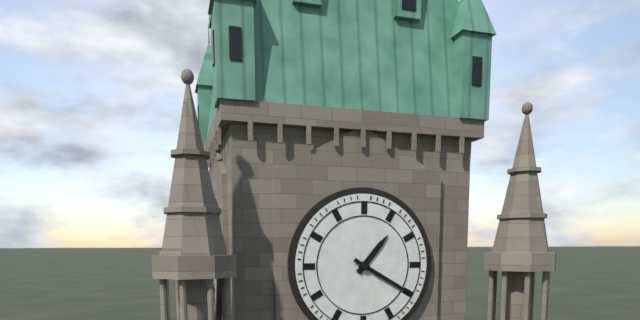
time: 1:20
